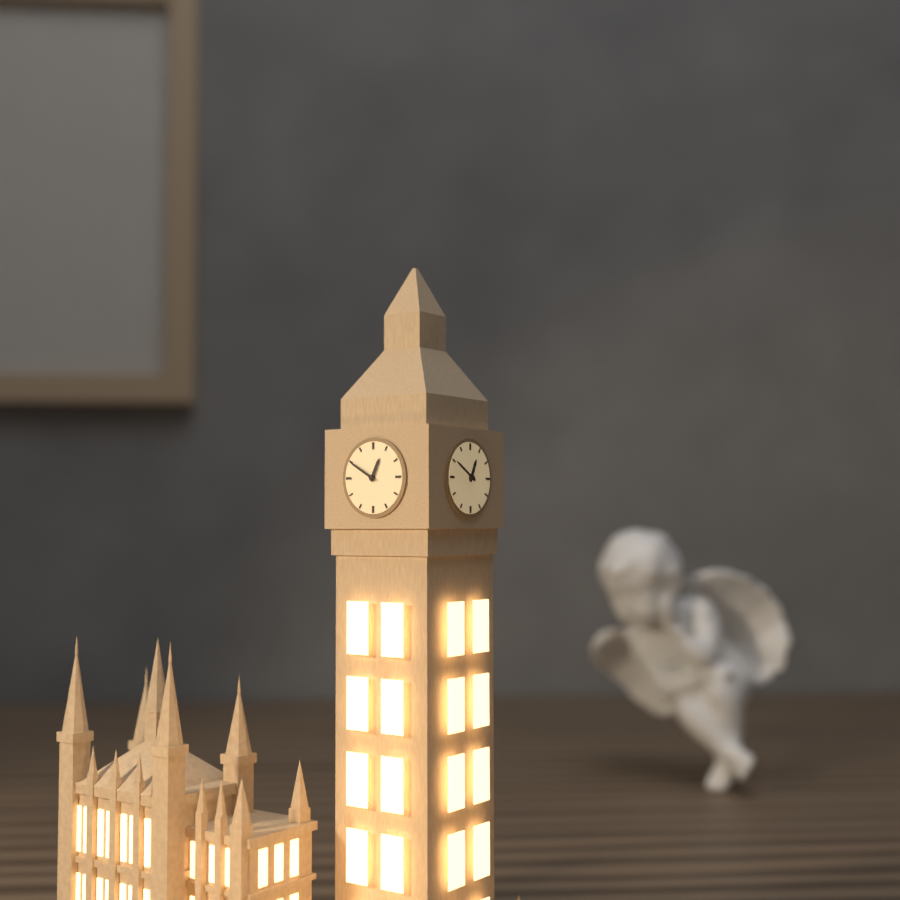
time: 12:50
